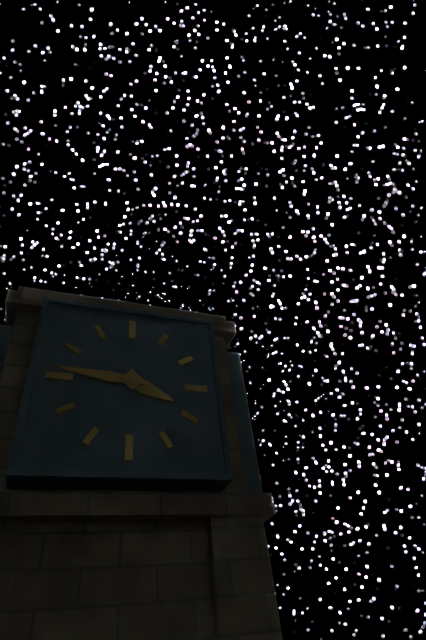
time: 3:46
